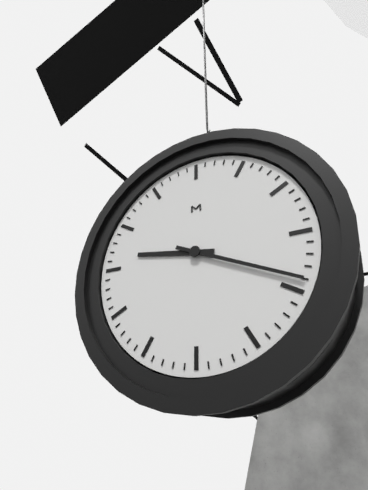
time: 9:19
